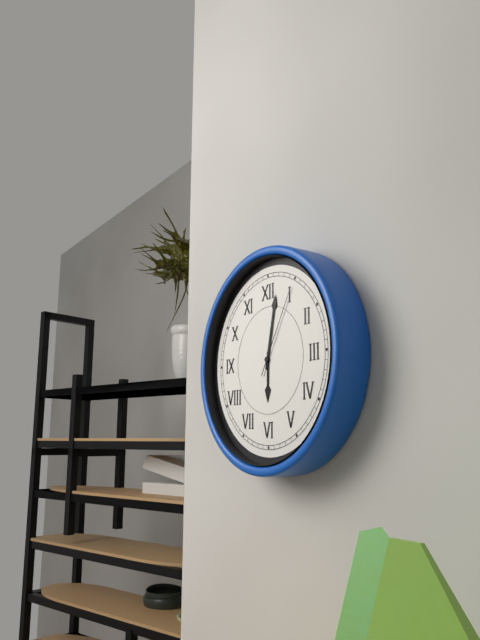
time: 6:02:05
